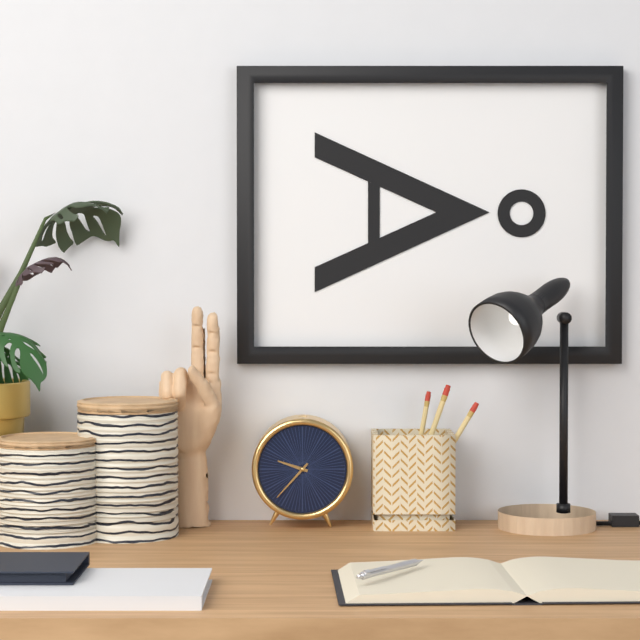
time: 9:37
